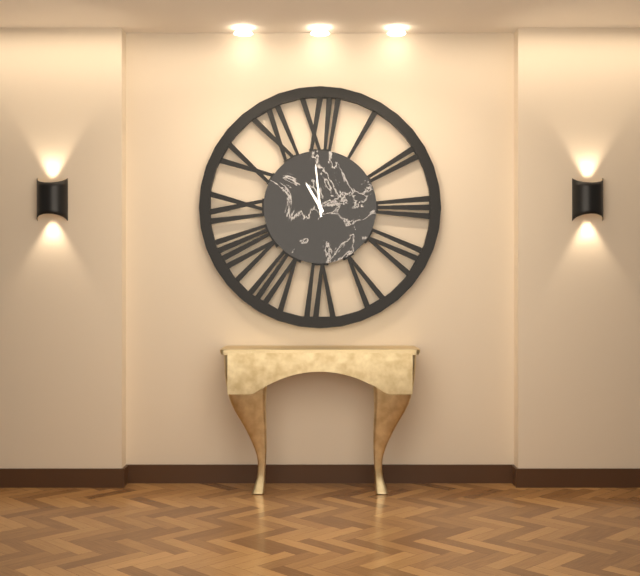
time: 10:59
